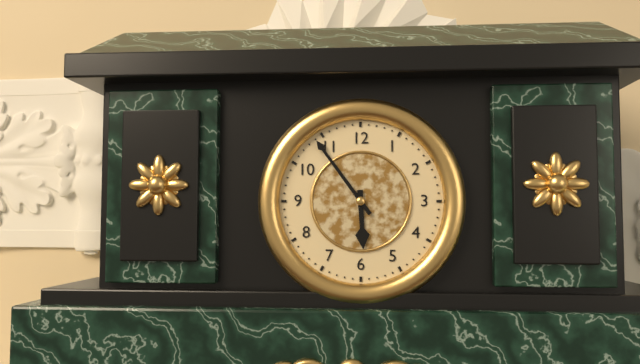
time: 5:54
